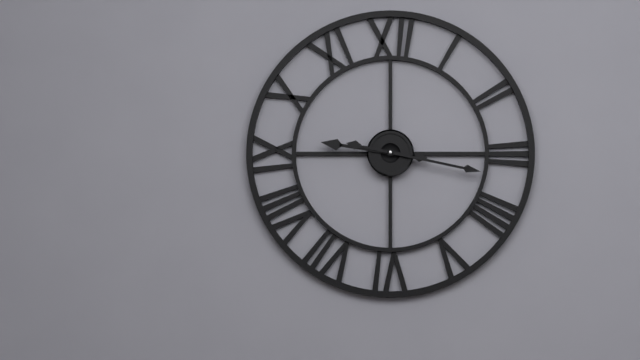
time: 9:17
